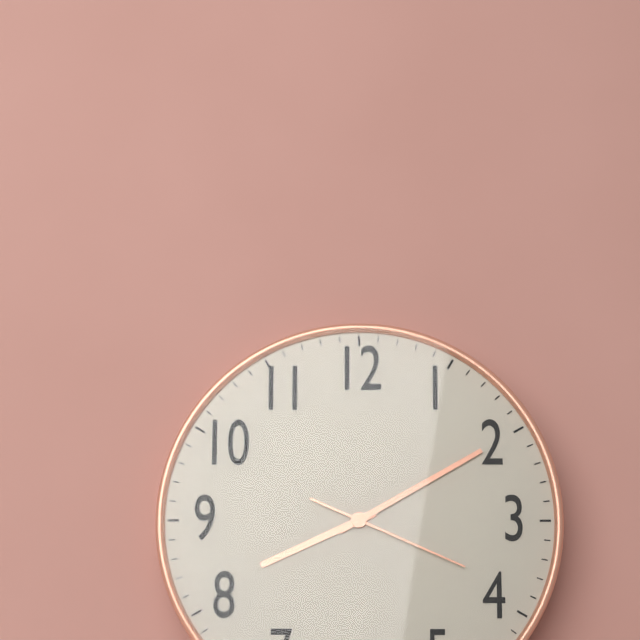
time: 8:10:19
